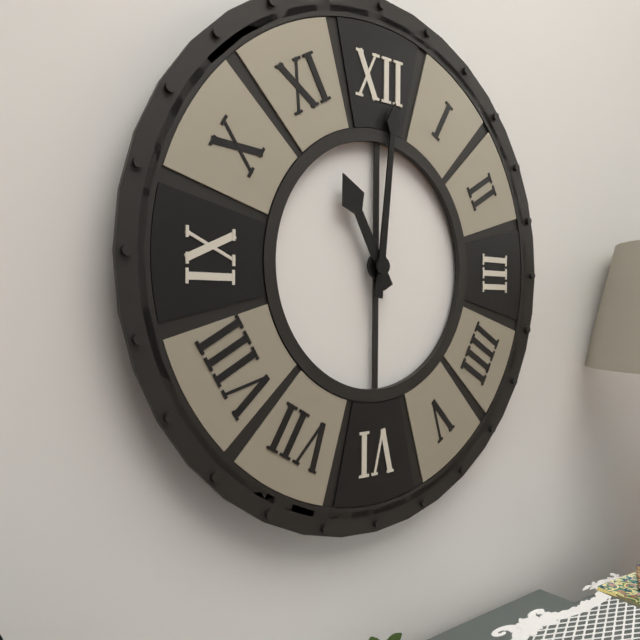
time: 11:01
